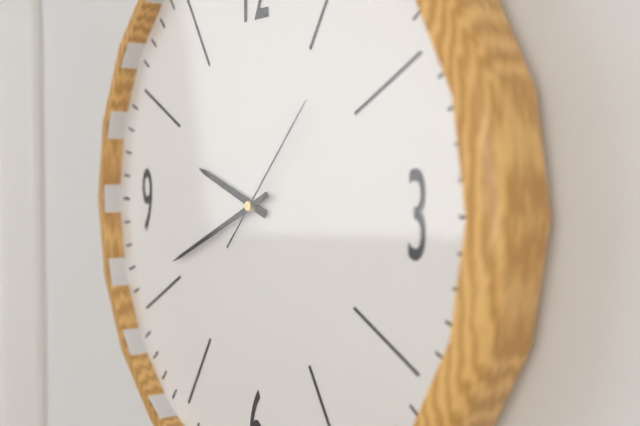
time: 9:41:07
